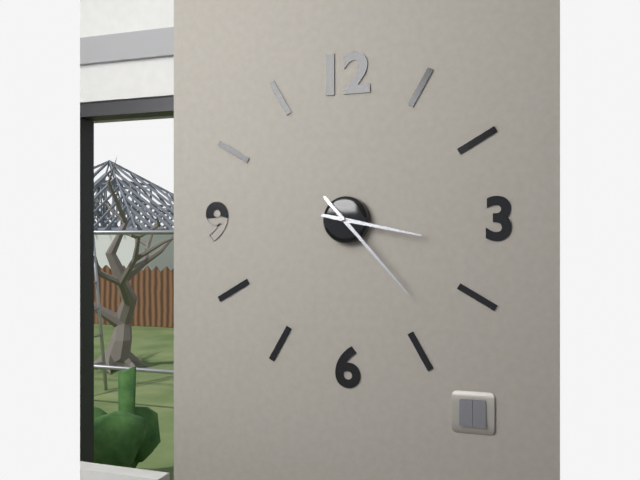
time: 3:23
